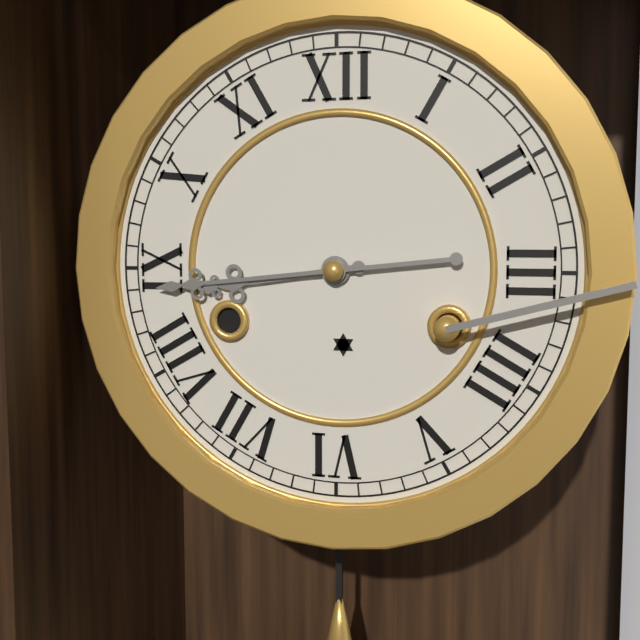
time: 8:44
